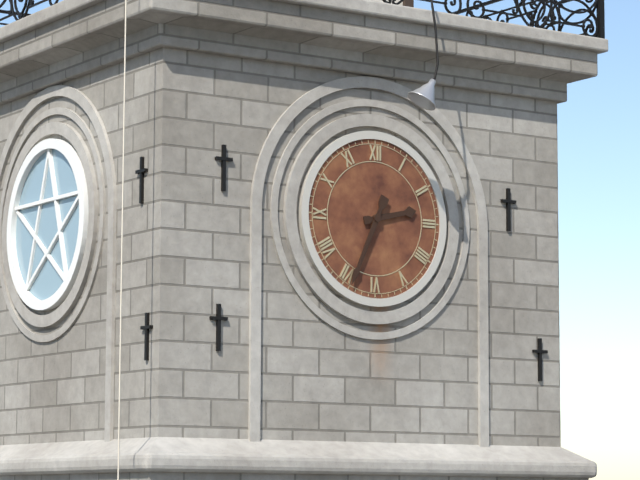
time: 2:34
